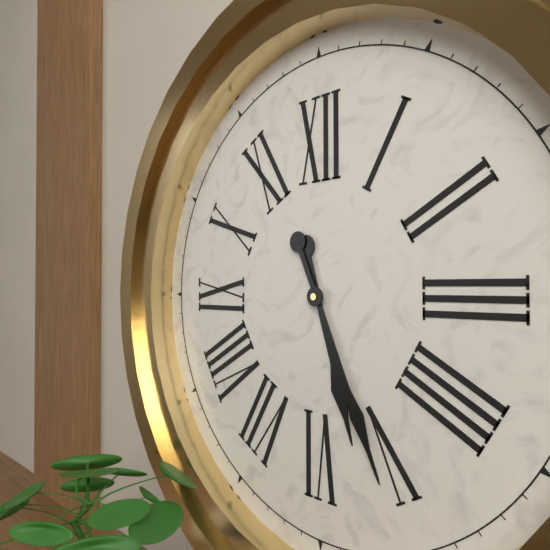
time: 5:26
